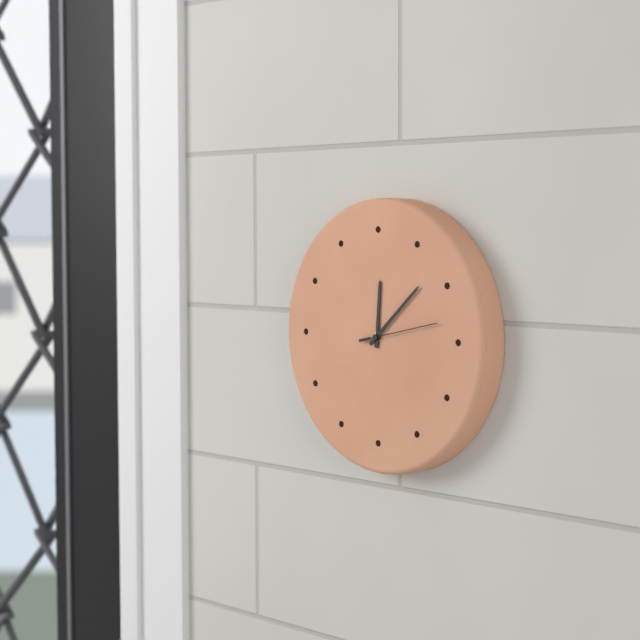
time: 12:08:13
